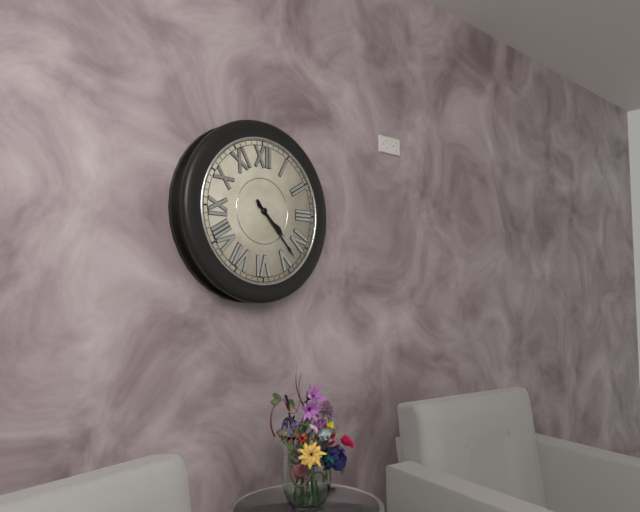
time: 4:23
